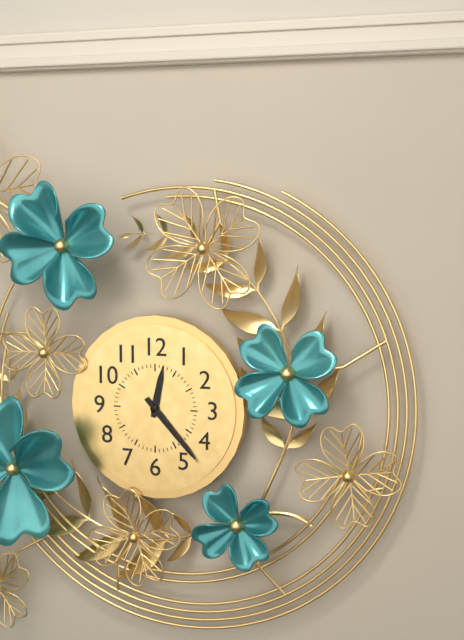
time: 12:23
